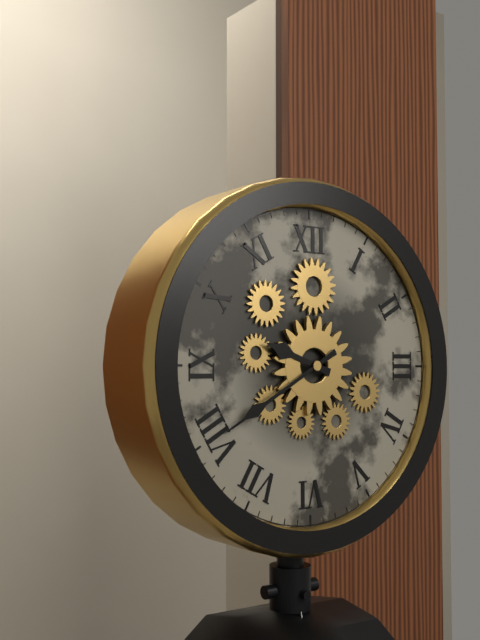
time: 9:40
